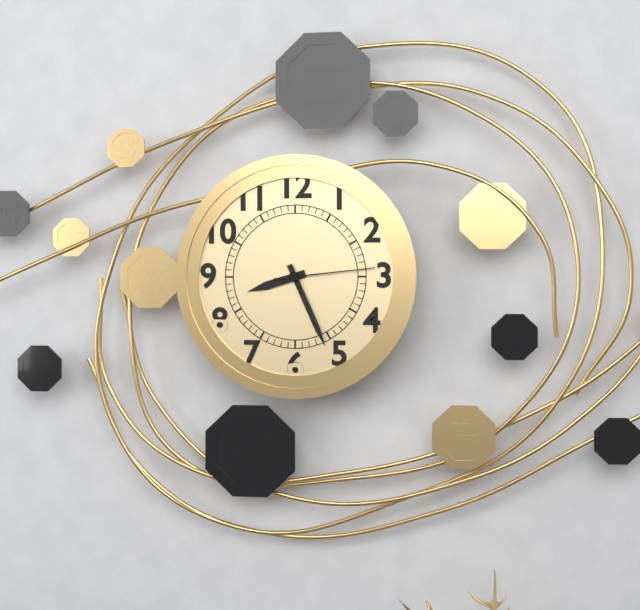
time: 8:26:14
